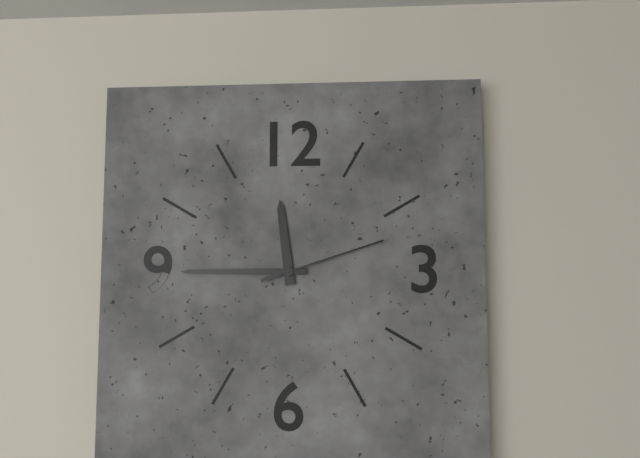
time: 11:45:12
